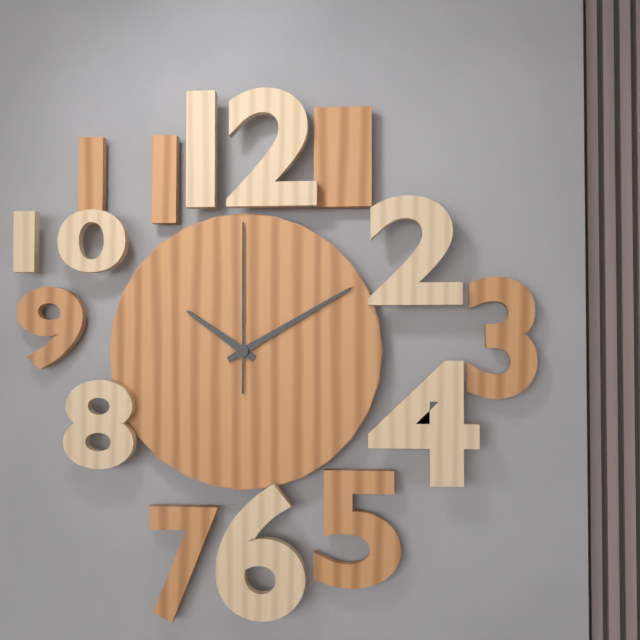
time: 10:10:00
